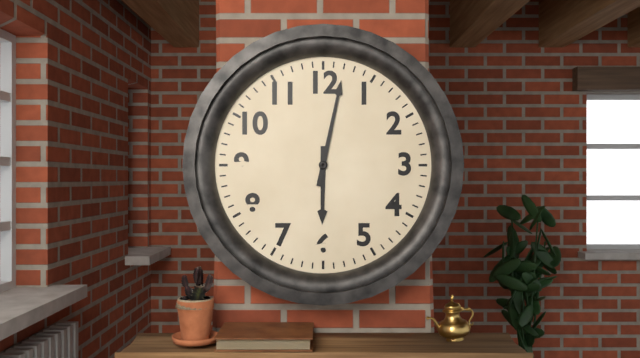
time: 6:02
